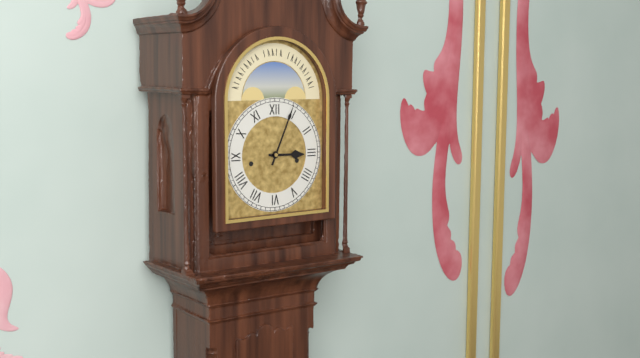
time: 3:04
